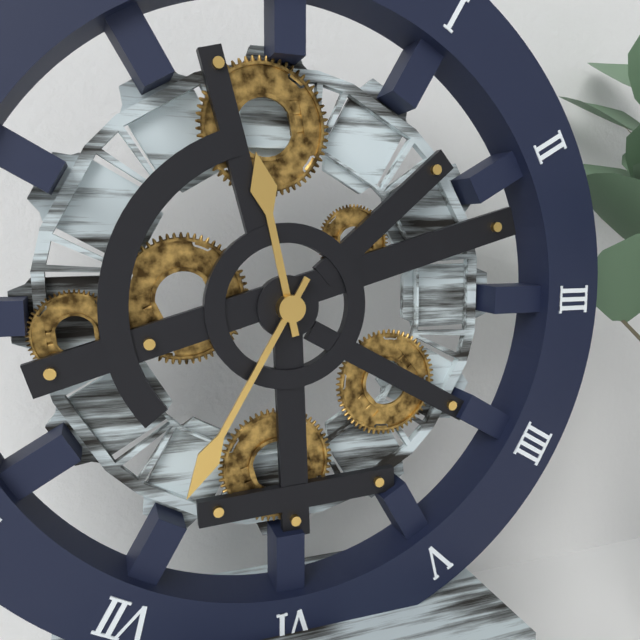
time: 11:35
